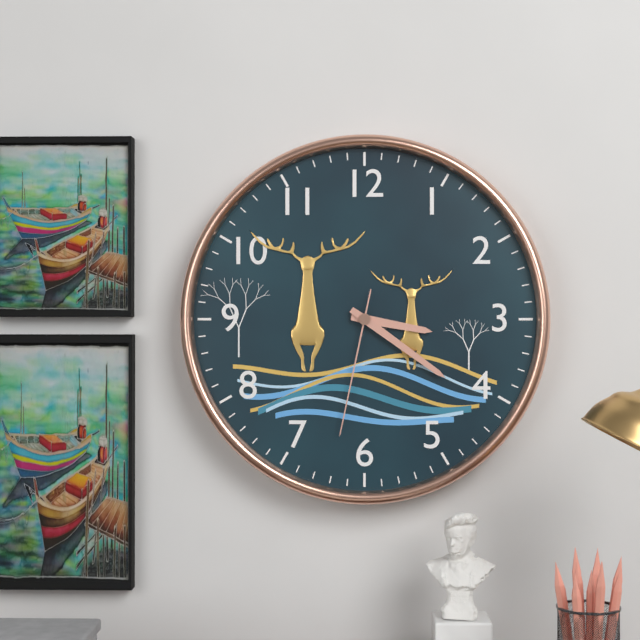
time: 3:21:32
